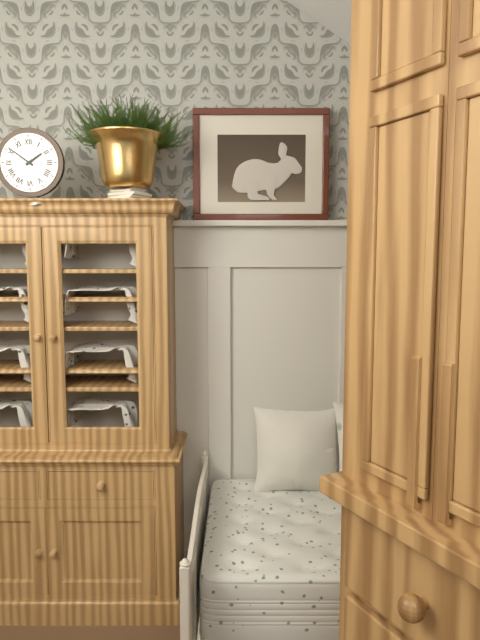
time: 1:51
